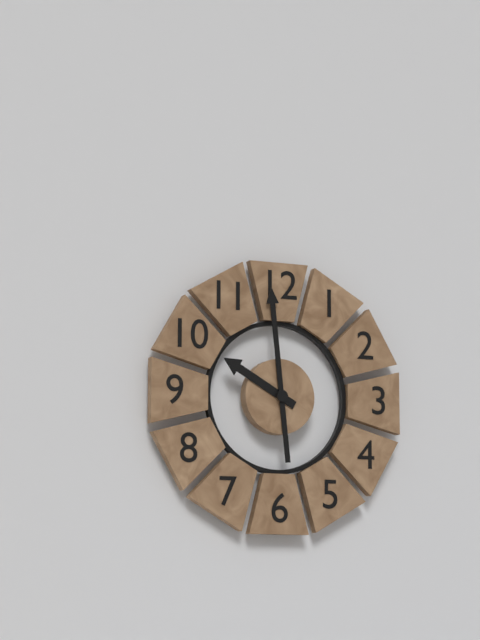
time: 9:59
